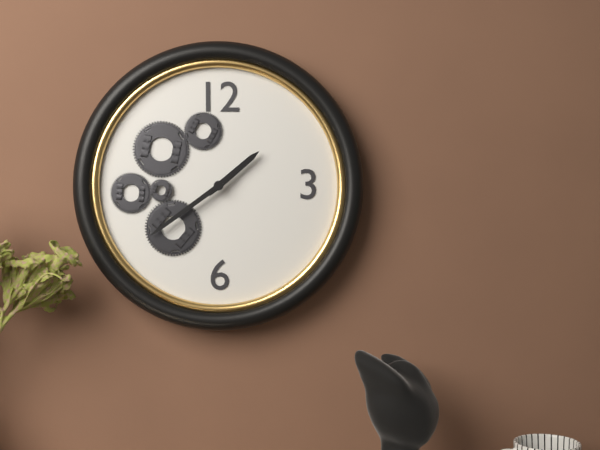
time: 1:39
